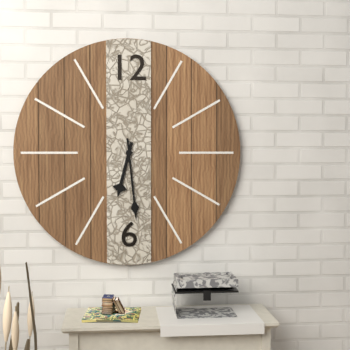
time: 6:29
